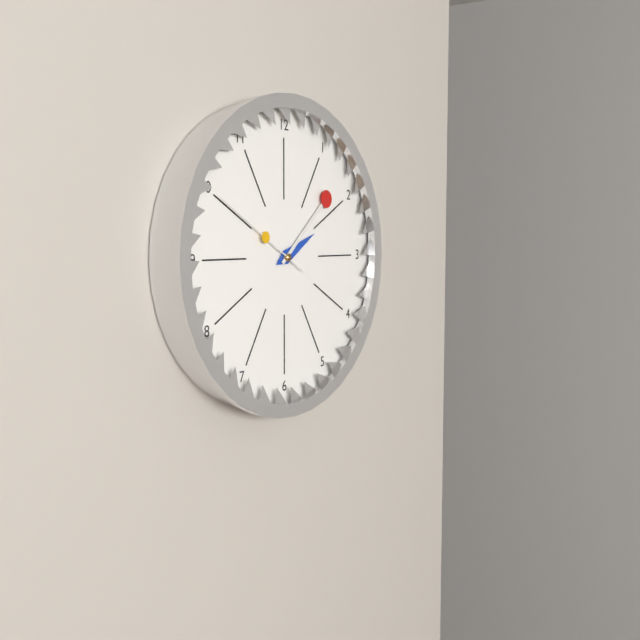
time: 2:08:50
